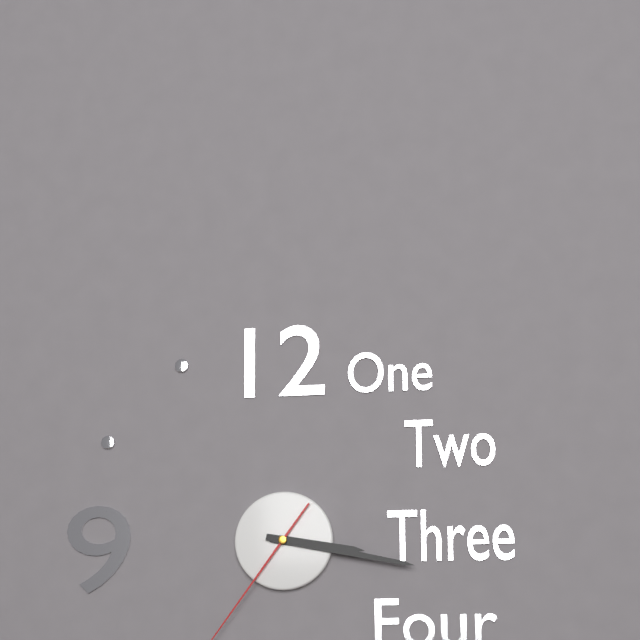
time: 3:17
